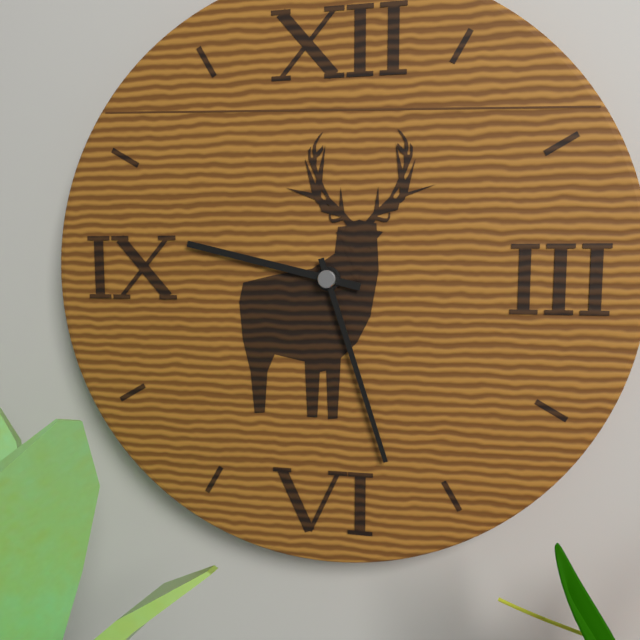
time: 9:27
